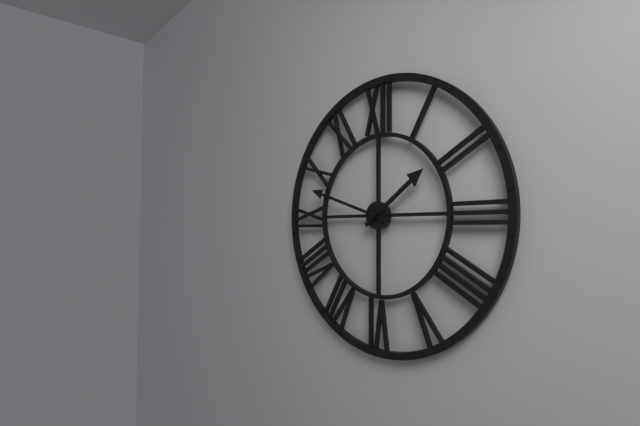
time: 1:48
